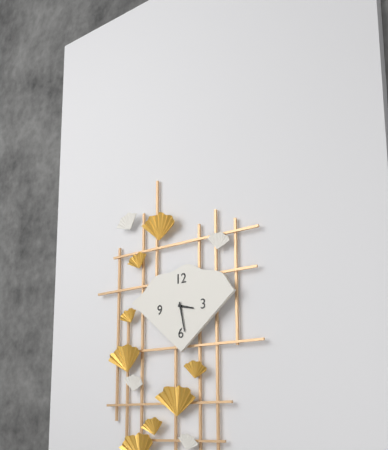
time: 3:28
